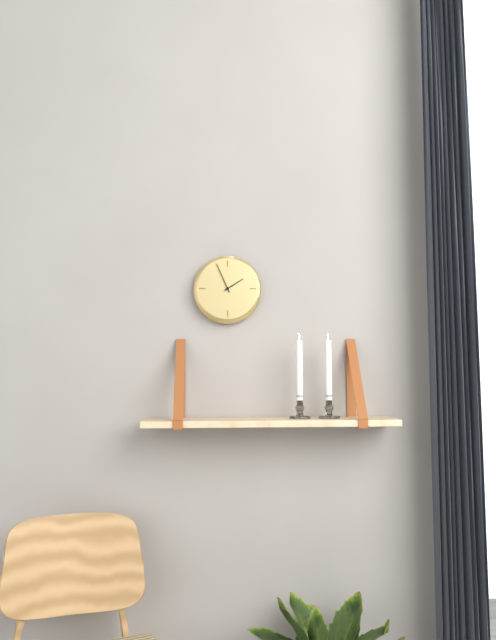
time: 1:56
